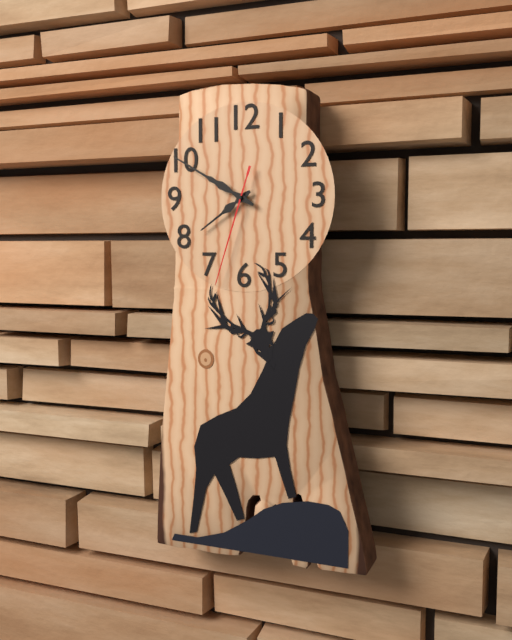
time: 7:50:33
